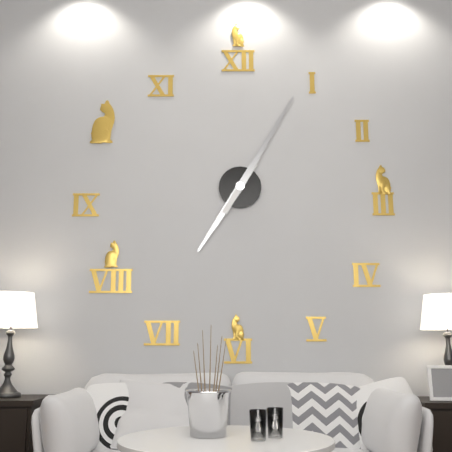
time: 7:05
